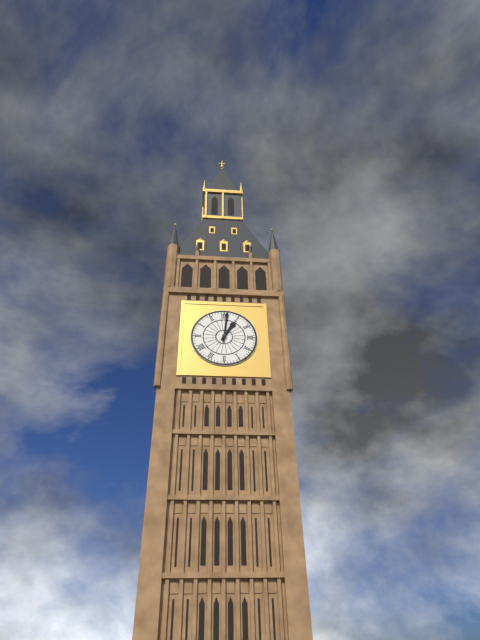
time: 1:01
